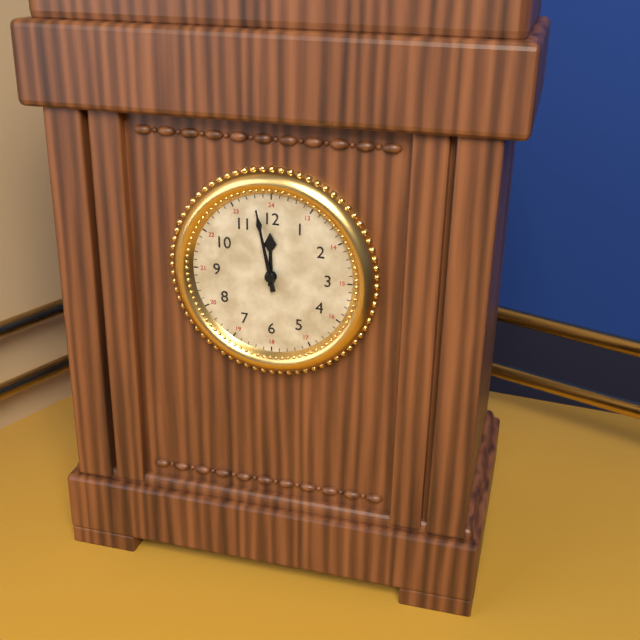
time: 11:58
